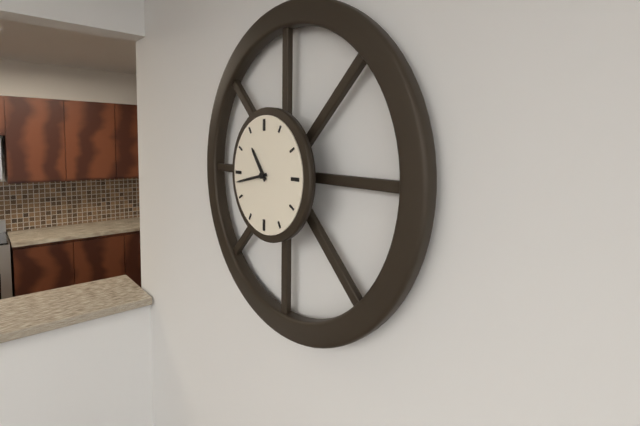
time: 10:43
